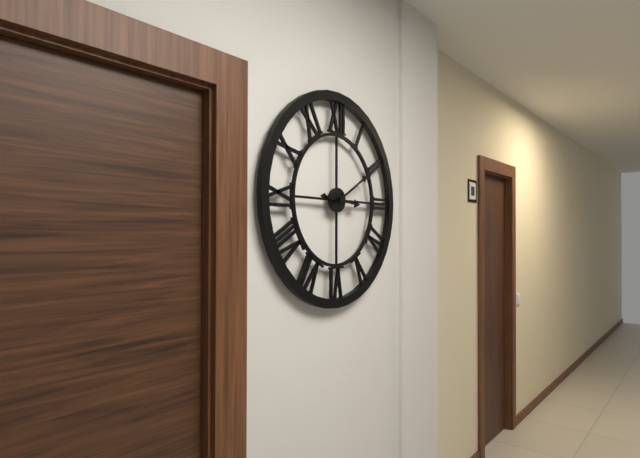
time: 3:10
